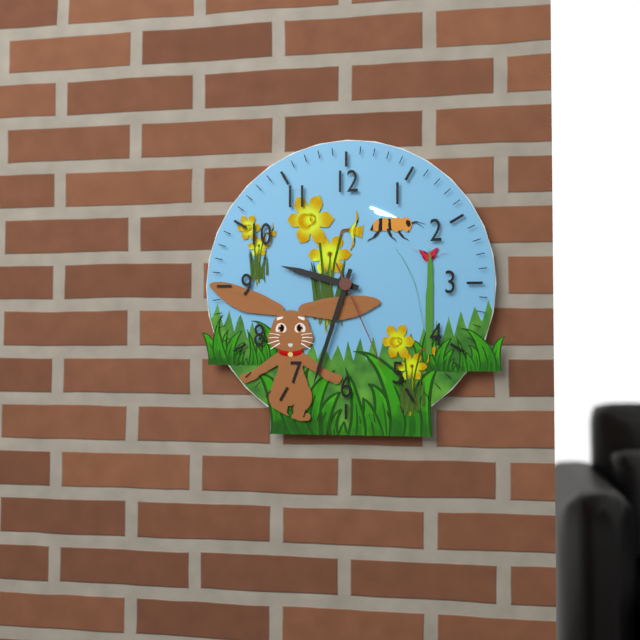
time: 9:33:26
